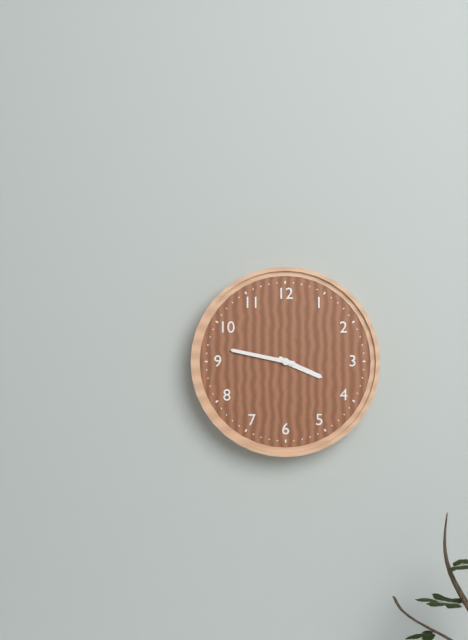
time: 3:47
